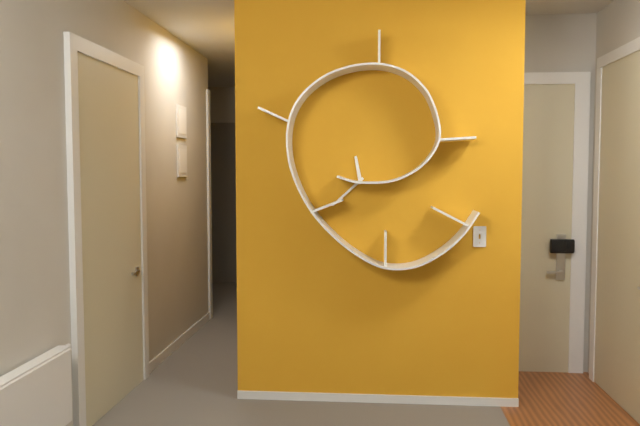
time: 11:38
